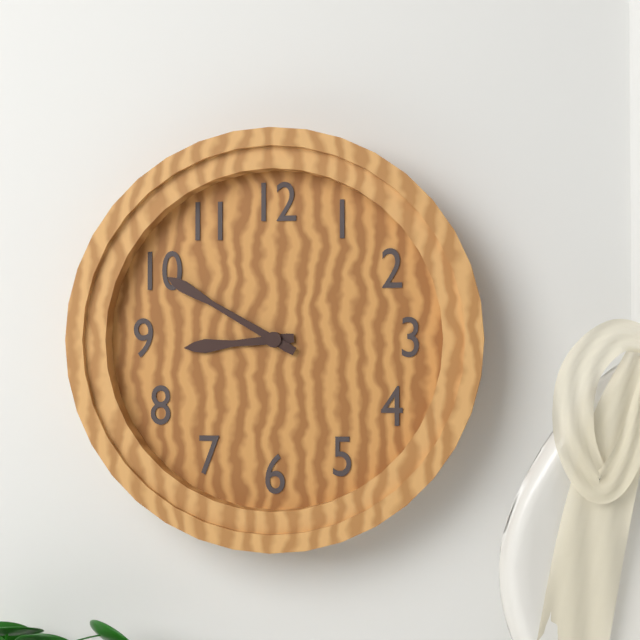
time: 8:50
